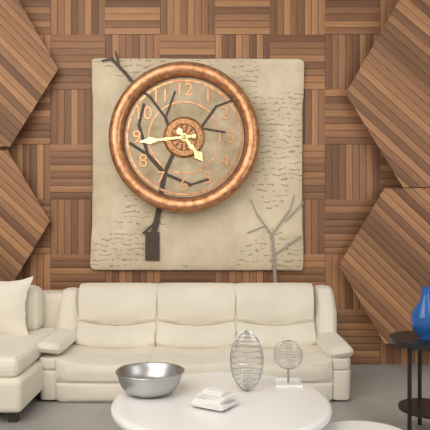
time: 4:44
